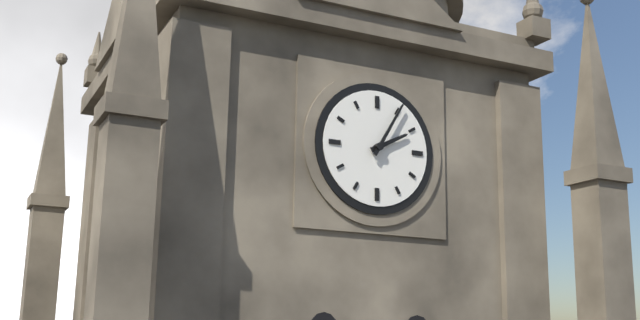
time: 2:05
